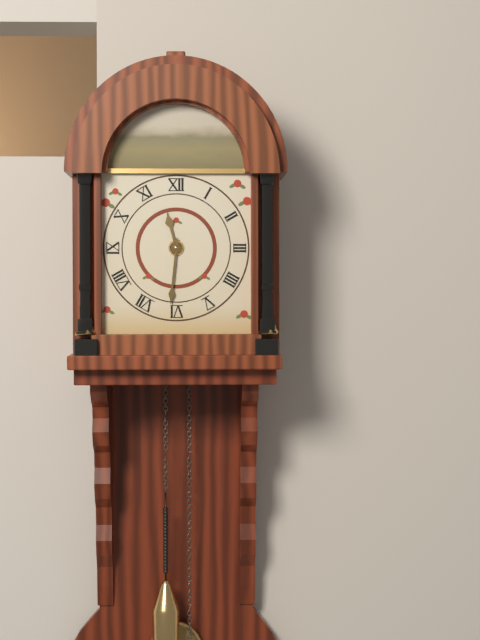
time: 11:31
